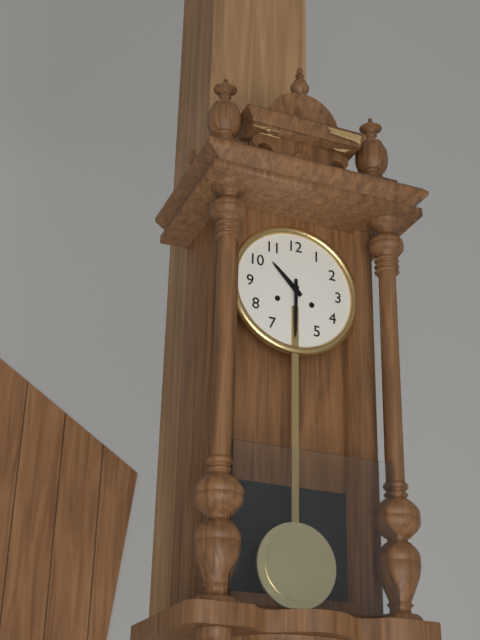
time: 10:30
